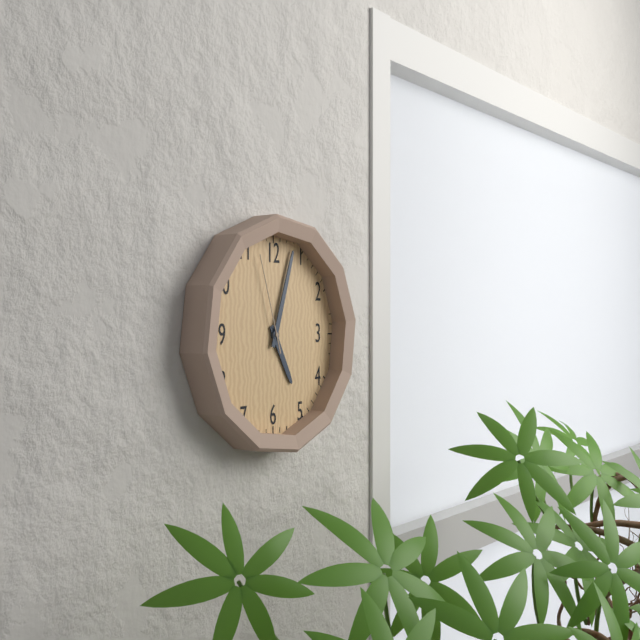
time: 5:03:57
